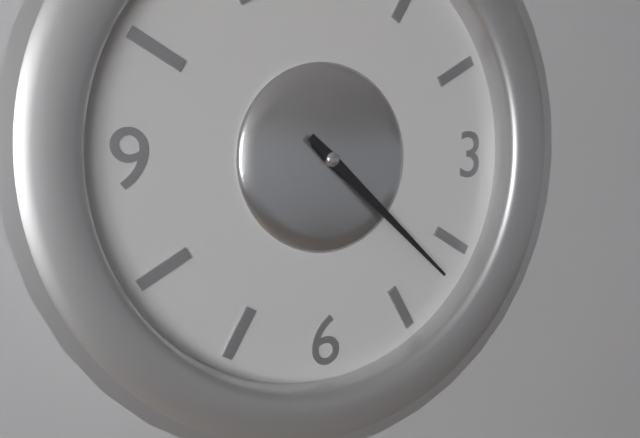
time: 4:22
